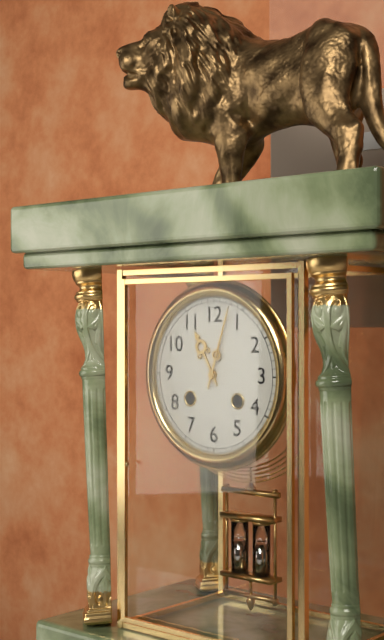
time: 11:03
